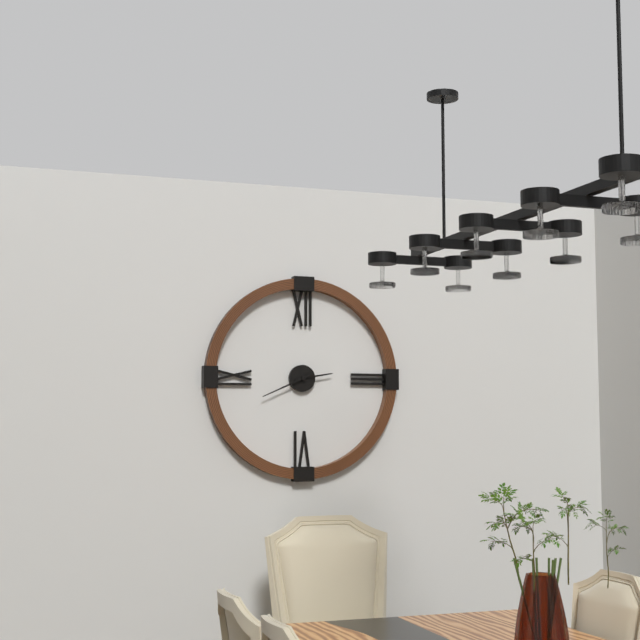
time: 2:41
